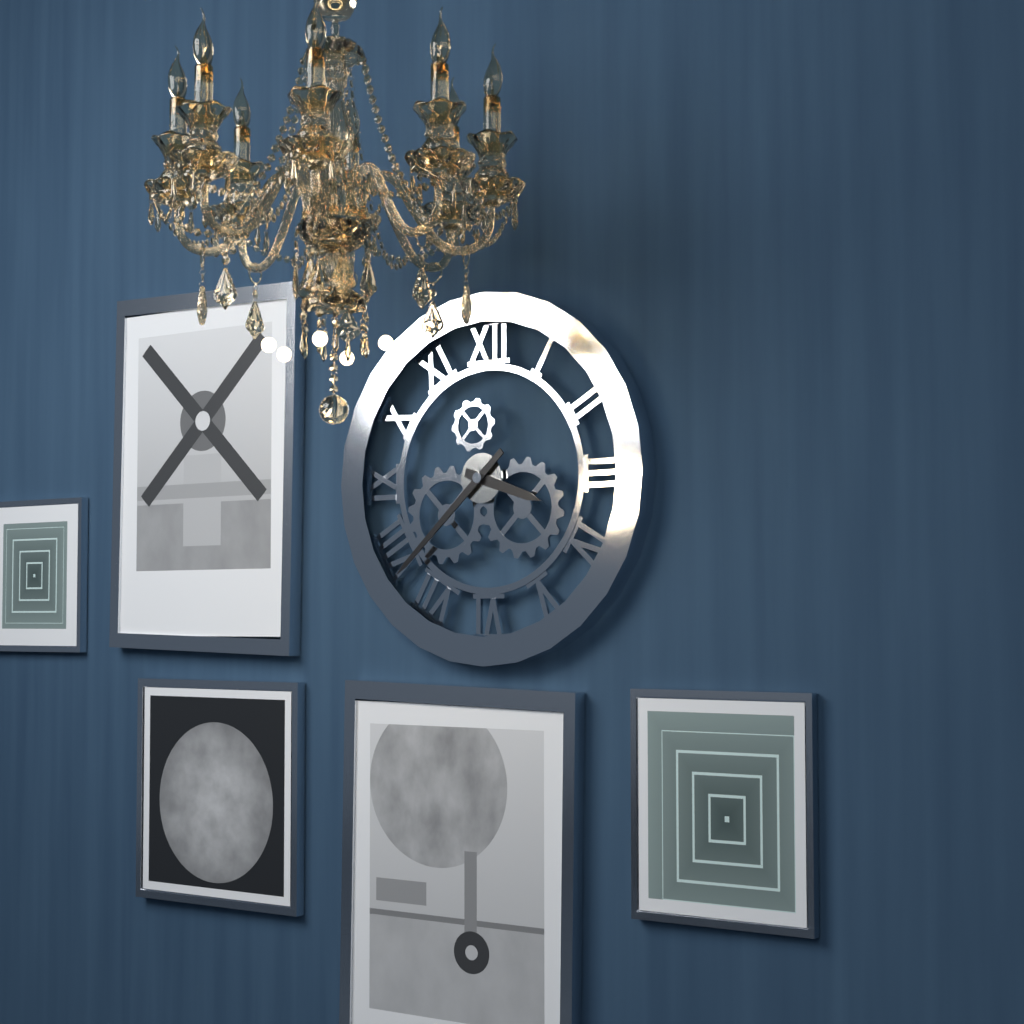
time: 3:38
